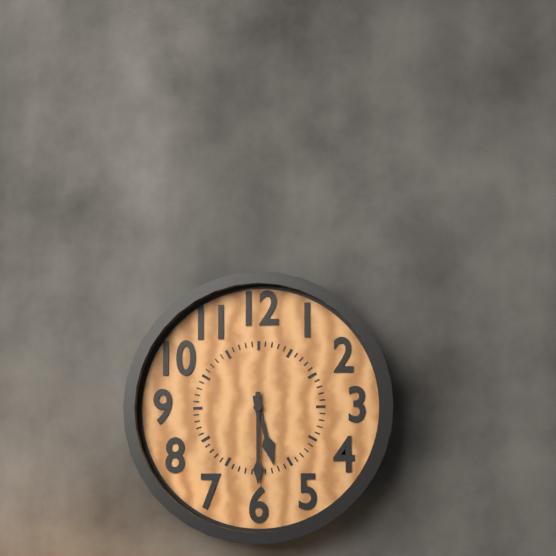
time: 5:30
